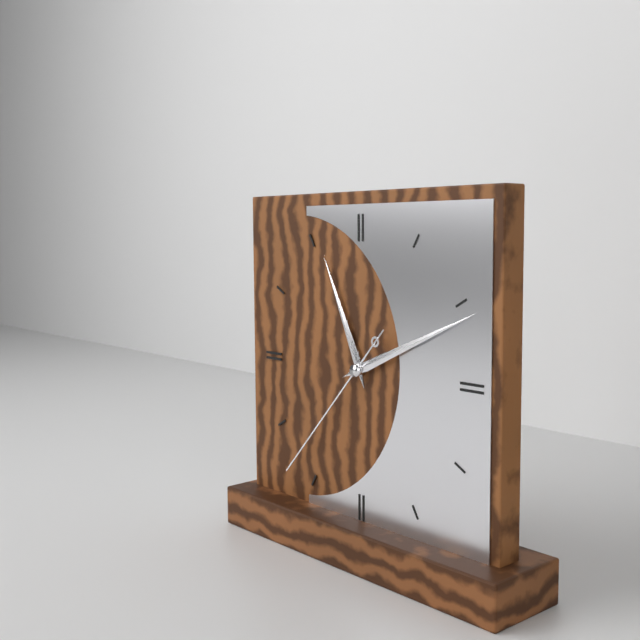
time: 11:11:37
